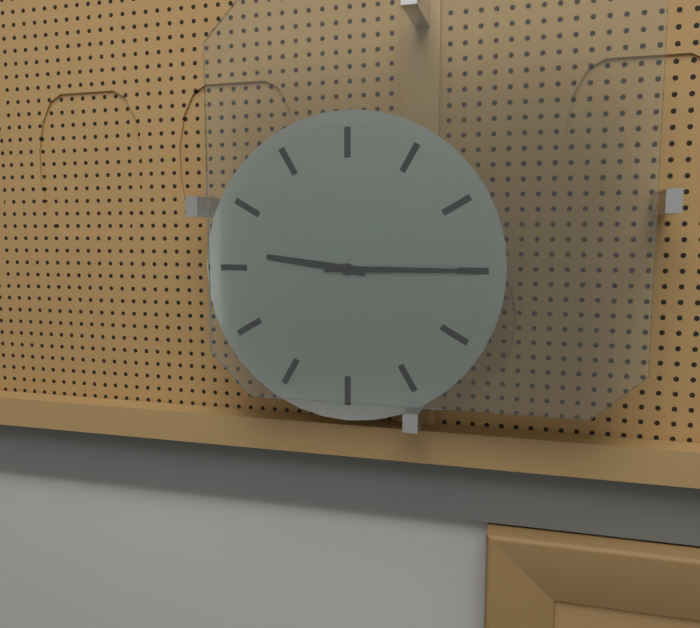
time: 9:15
